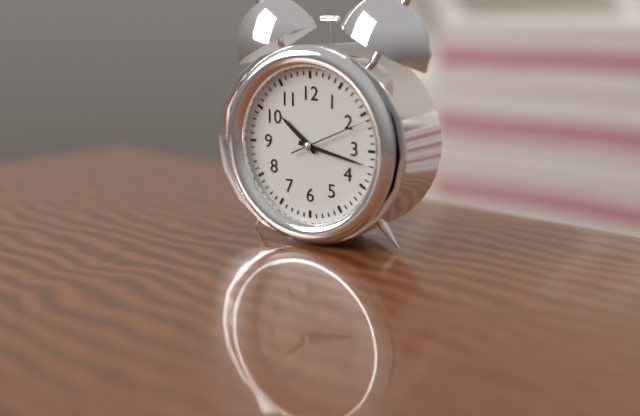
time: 10:17:11
